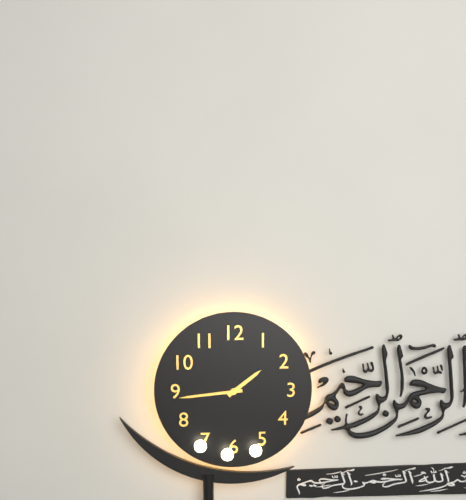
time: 1:44
